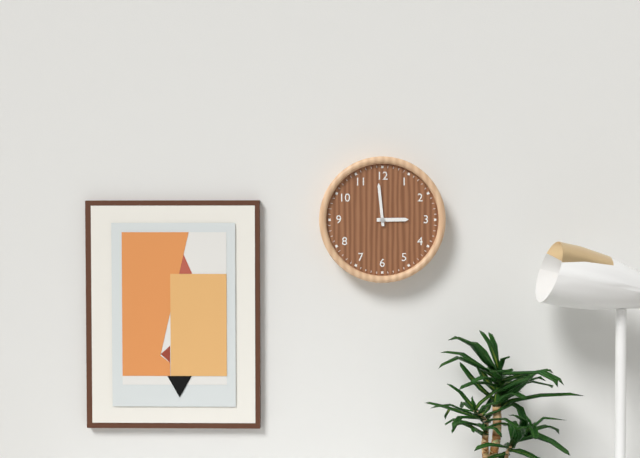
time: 2:59
